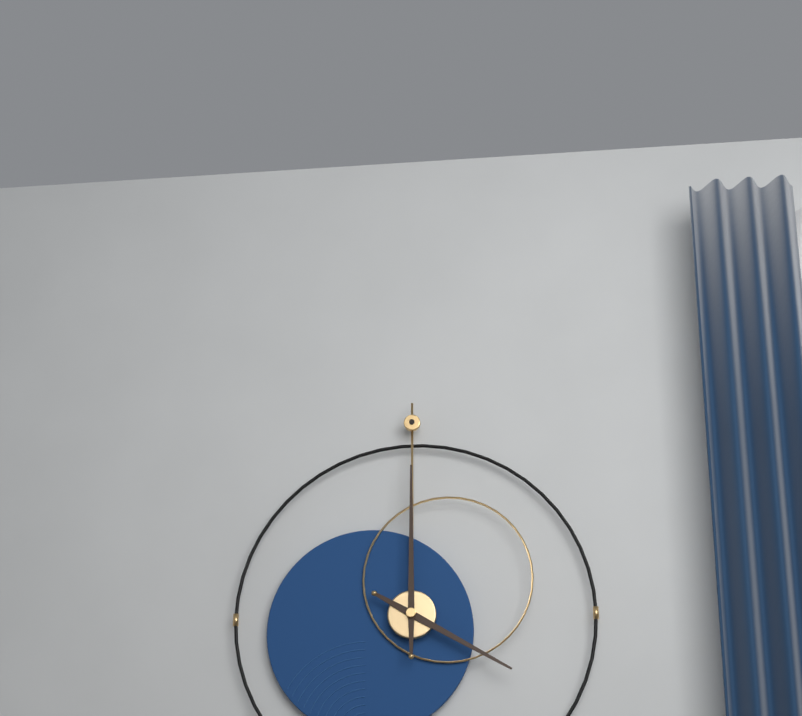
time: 4:00
